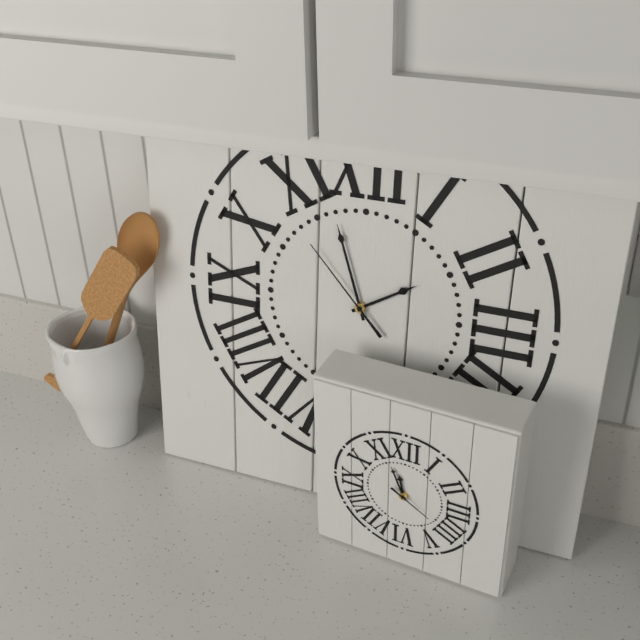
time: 1:57:53
